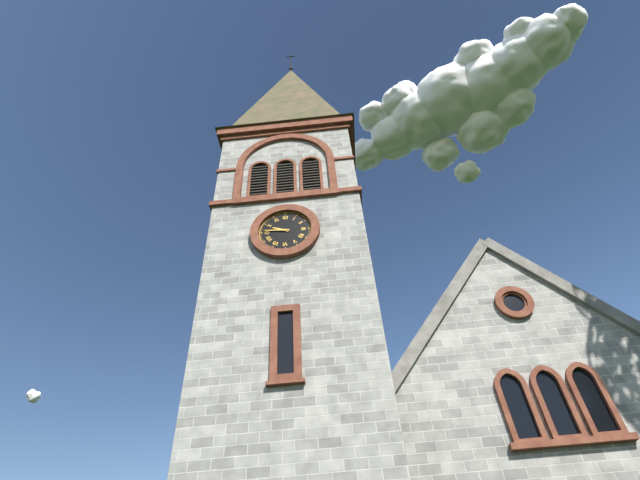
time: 9:46
